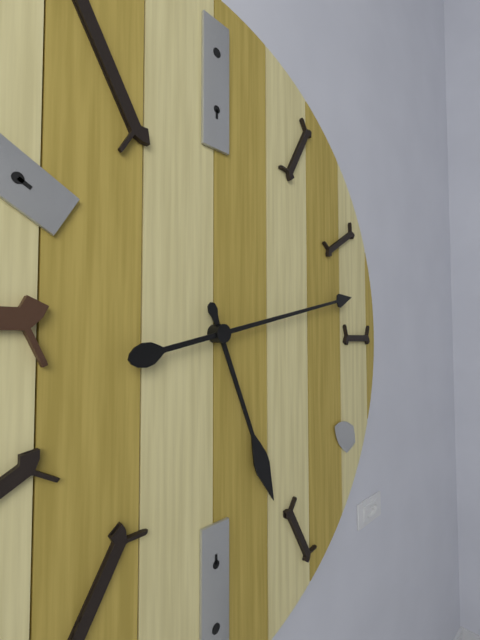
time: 5:13
